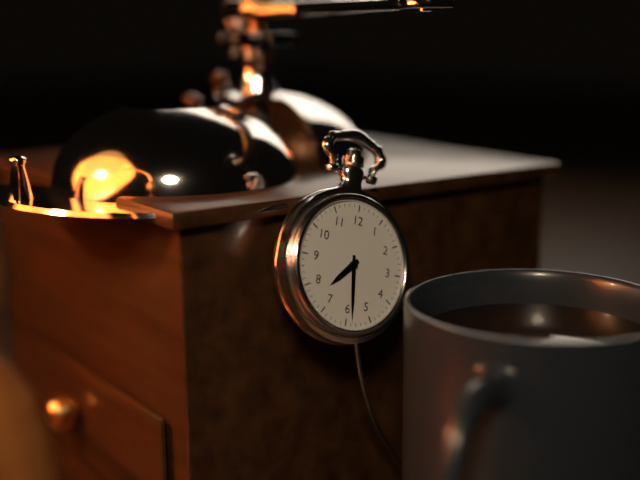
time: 7:29
